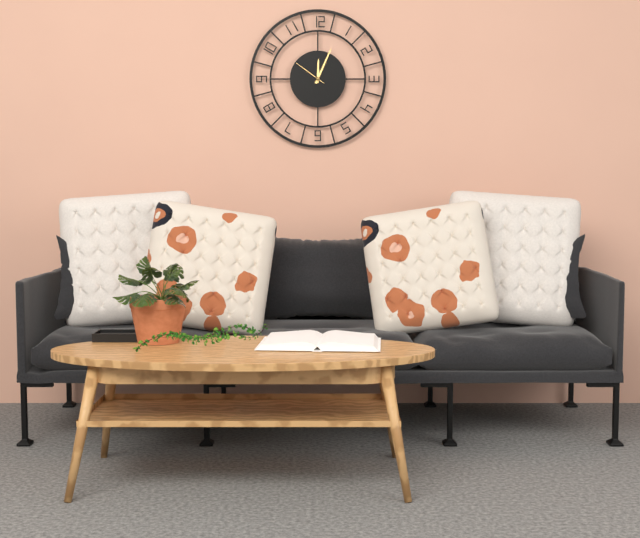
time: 12:04
